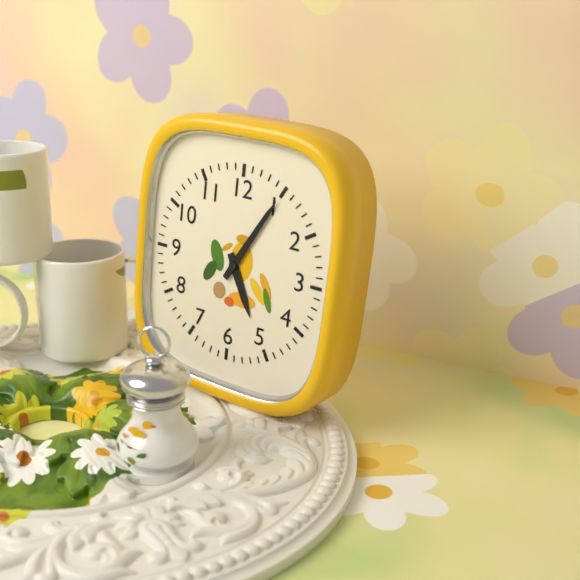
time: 5:05
